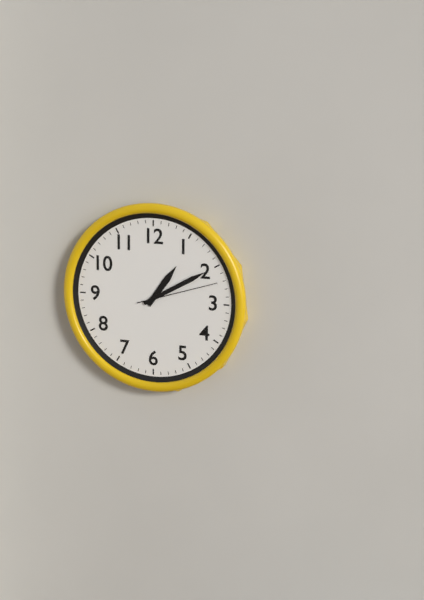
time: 1:10:12
